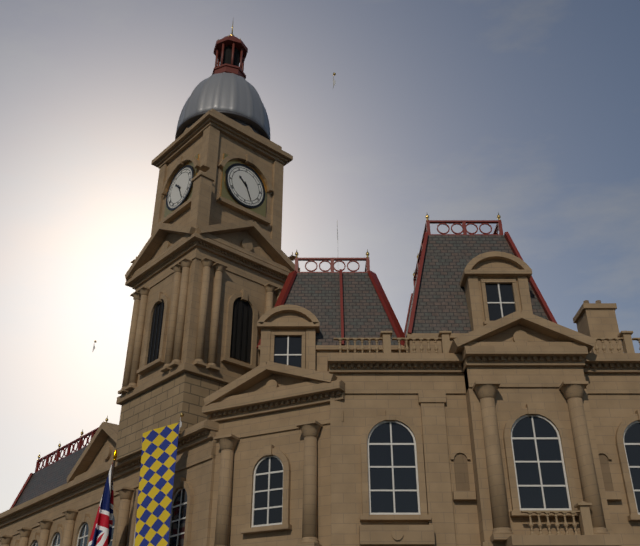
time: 10:26
